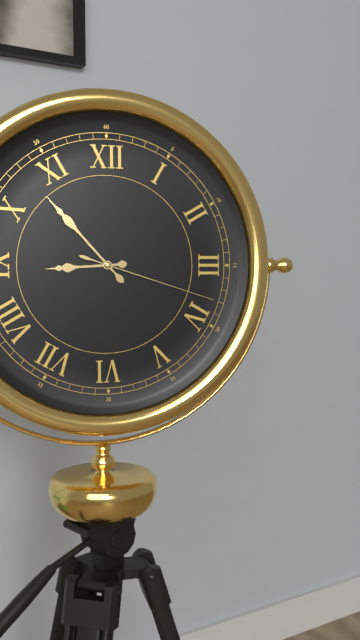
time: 8:53:18
